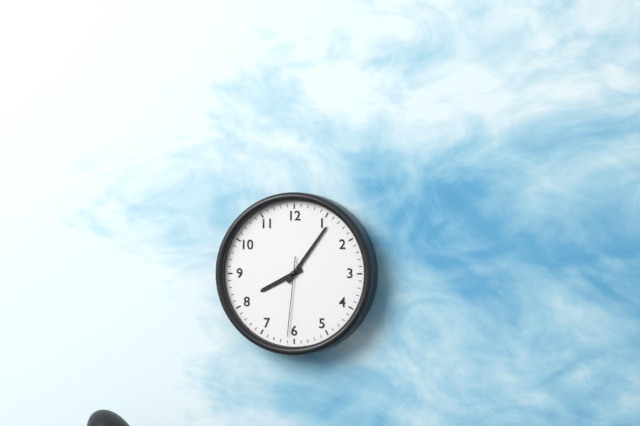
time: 8:06:31
